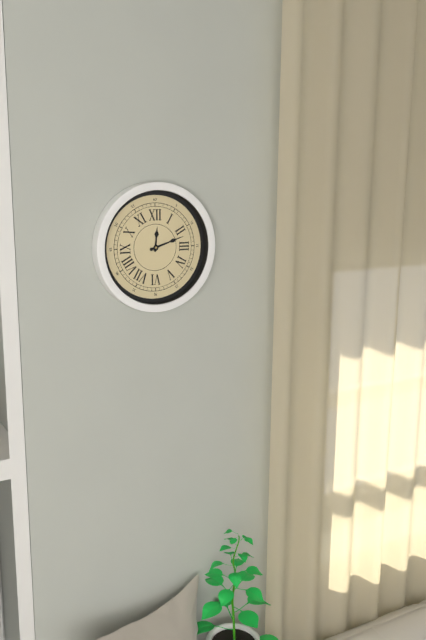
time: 12:12
